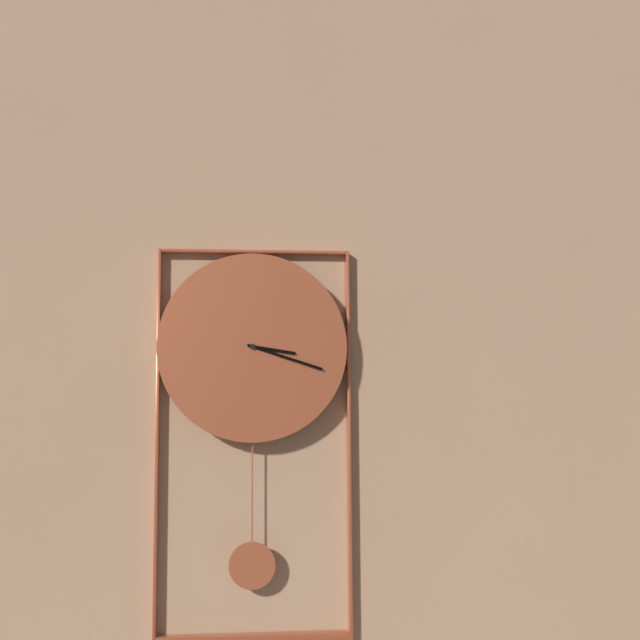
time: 3:18
